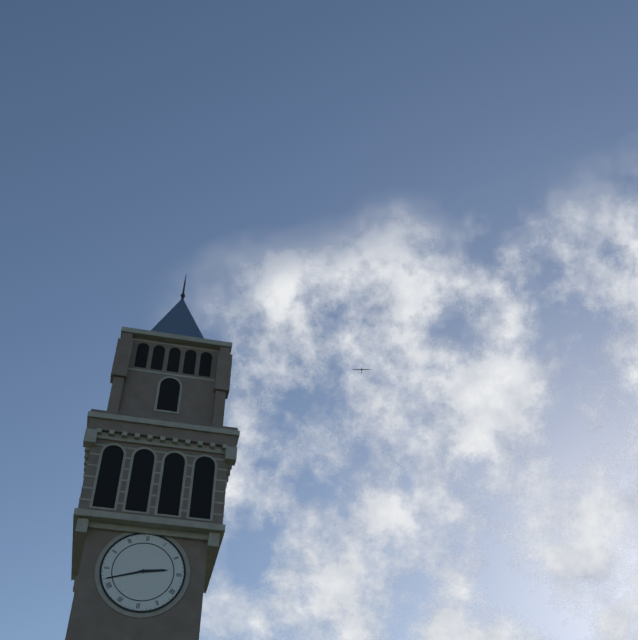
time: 2:42
